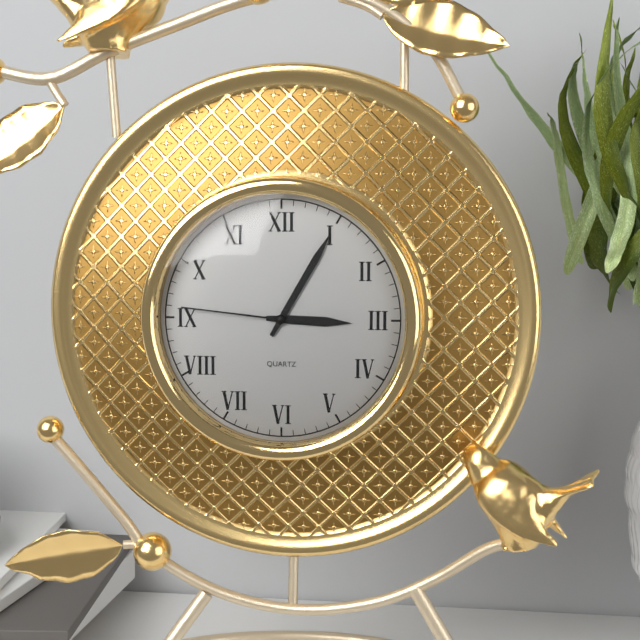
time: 3:05:46
